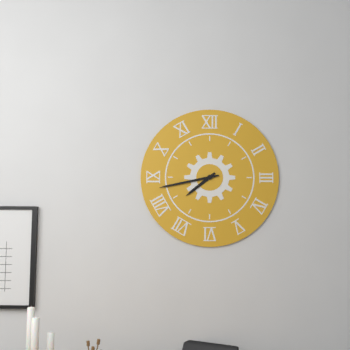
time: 7:43
